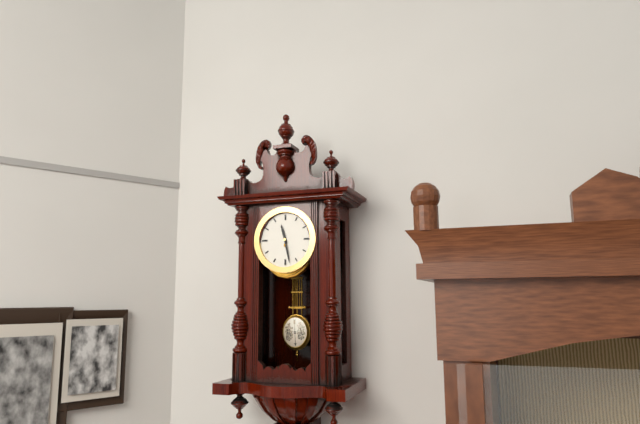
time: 11:28
